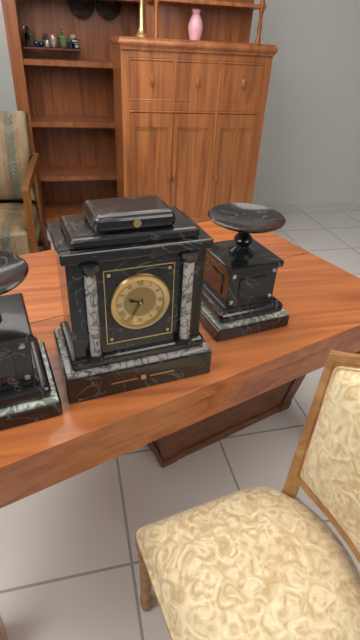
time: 9:35
